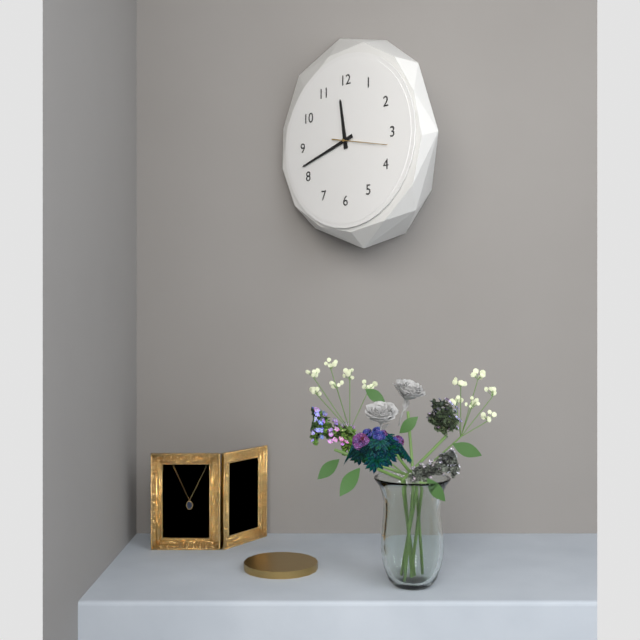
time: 11:42:17
